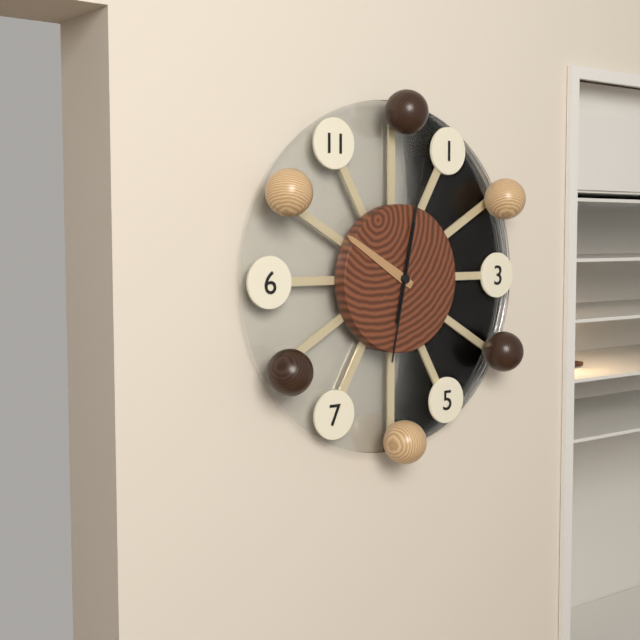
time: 10:02:32
